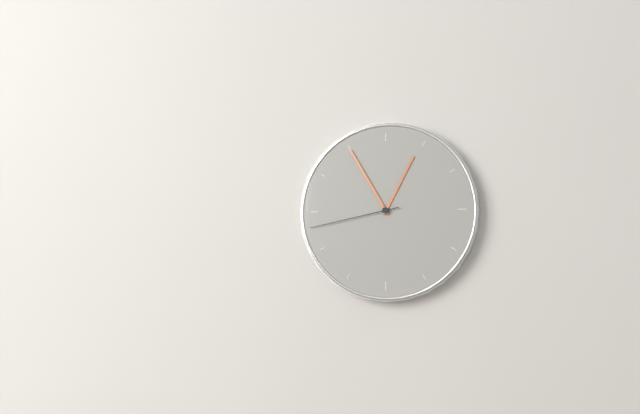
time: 12:55:43
